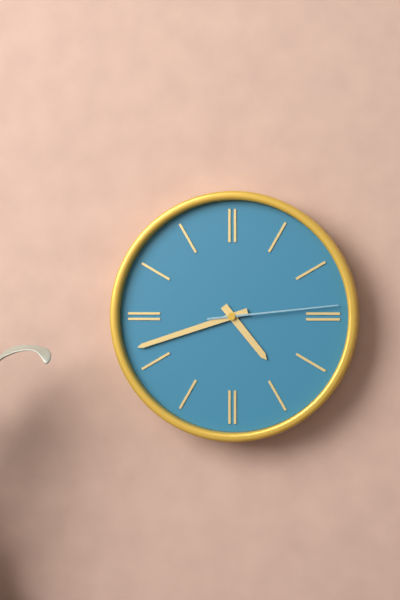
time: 4:42:14
